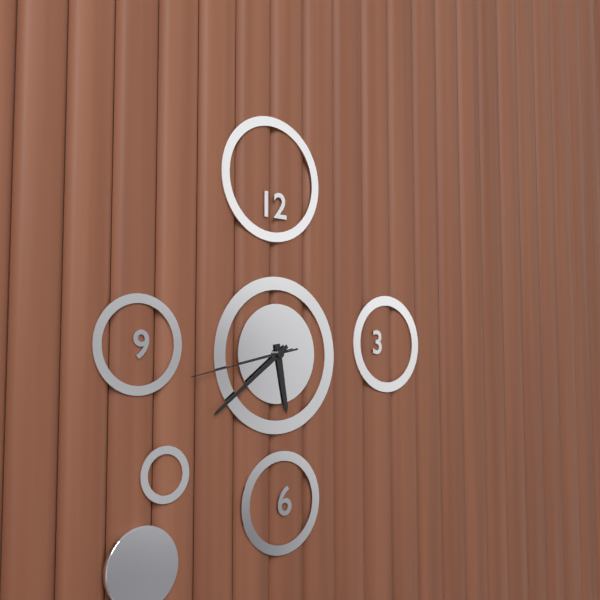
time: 5:39:43
